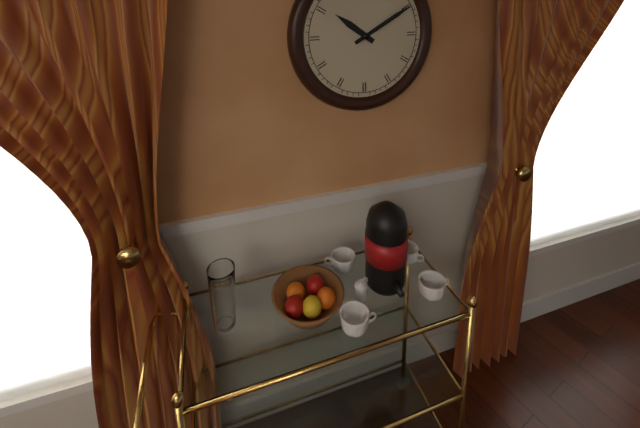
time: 10:10
